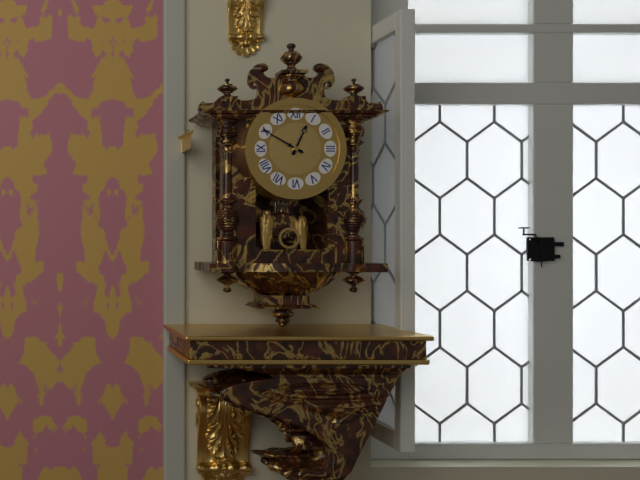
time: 12:50
